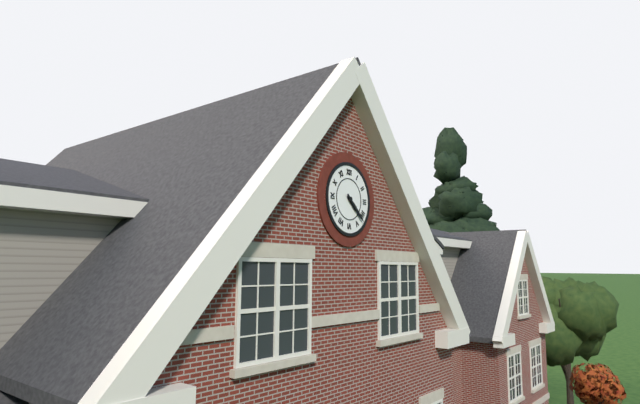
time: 4:22
